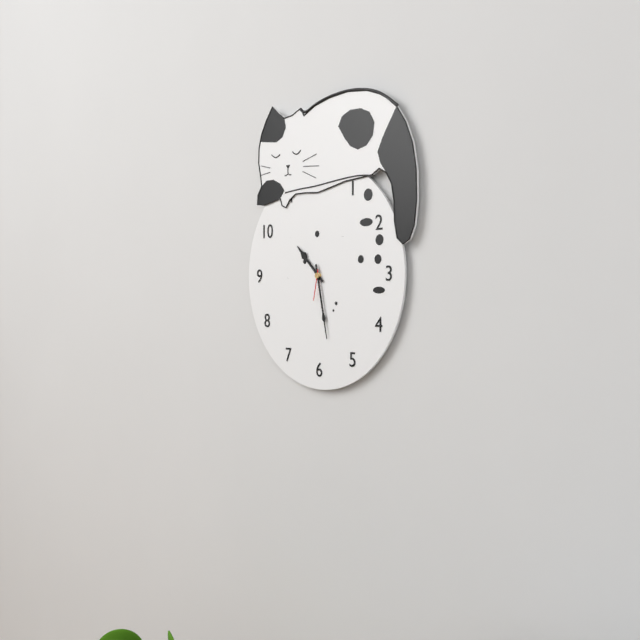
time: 10:28
